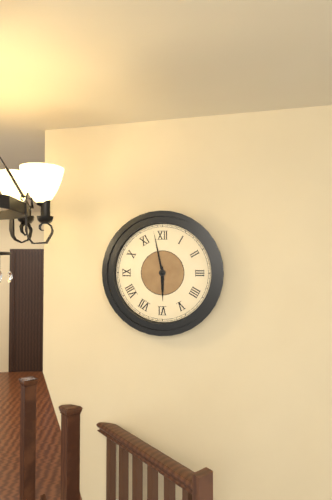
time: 5:58
